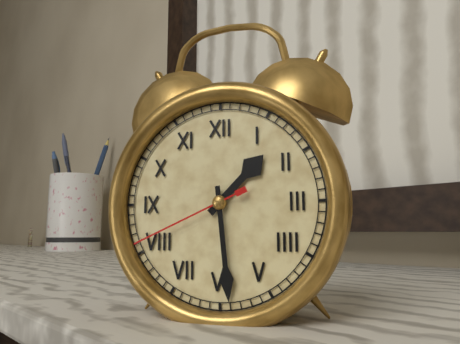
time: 1:29:41
